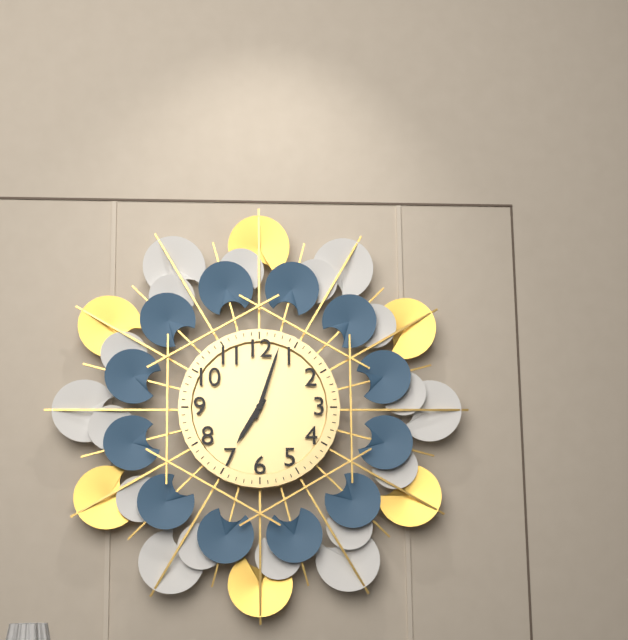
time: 7:03
